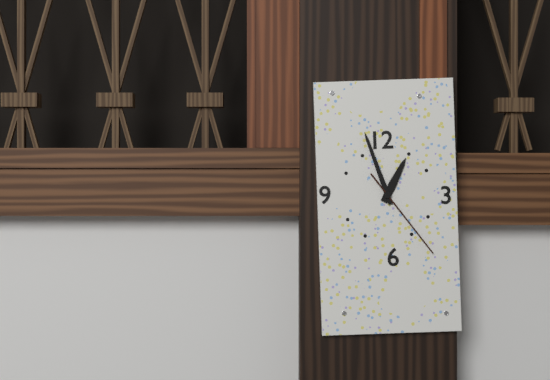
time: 12:57:24
